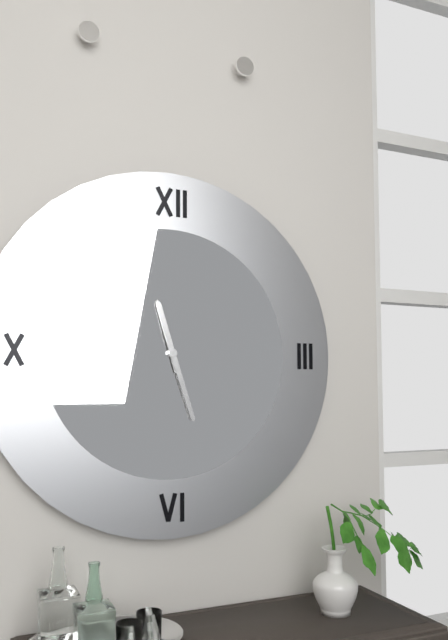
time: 11:27
